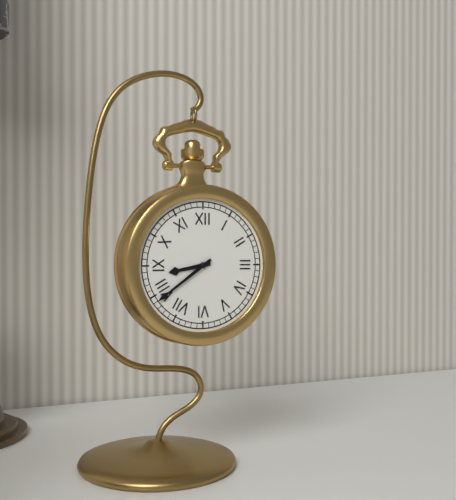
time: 8:39
